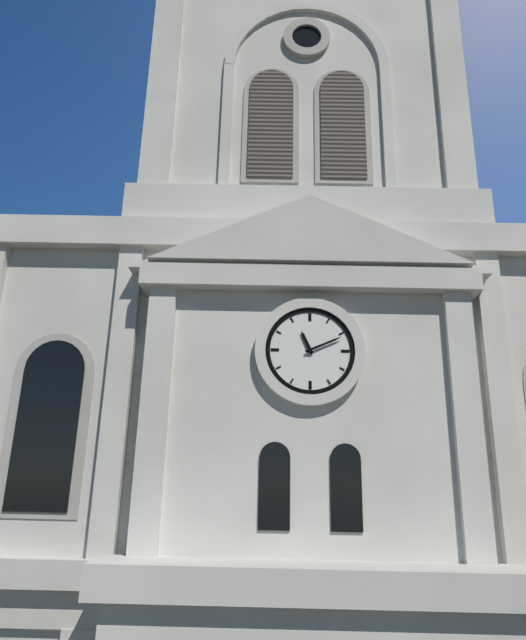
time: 11:11
